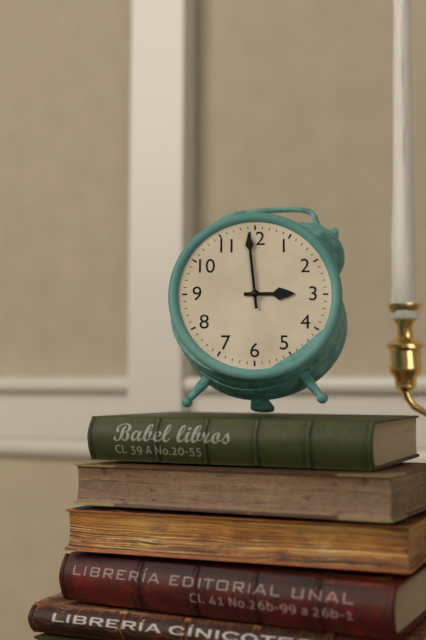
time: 2:59
